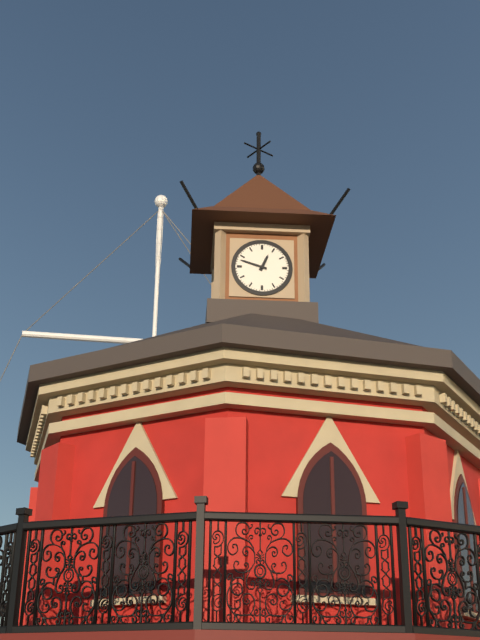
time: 12:48
